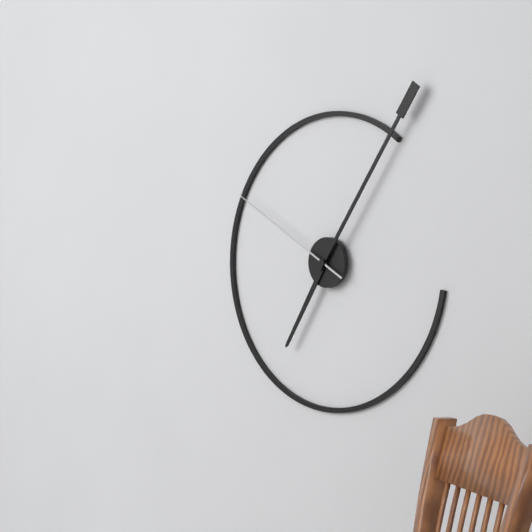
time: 7:06:50
